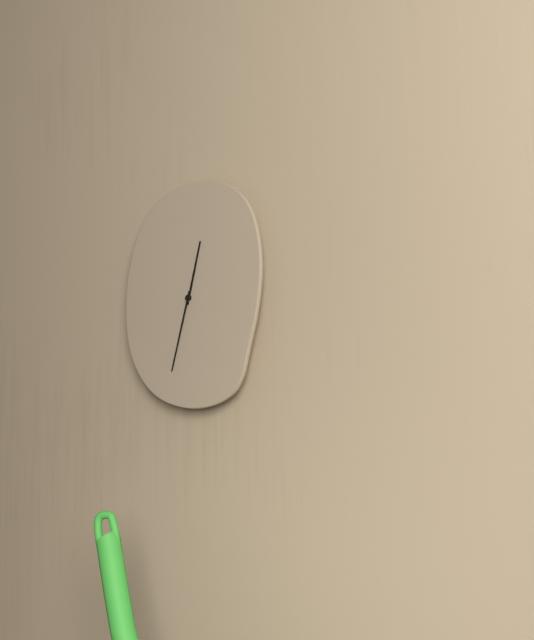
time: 12:33
